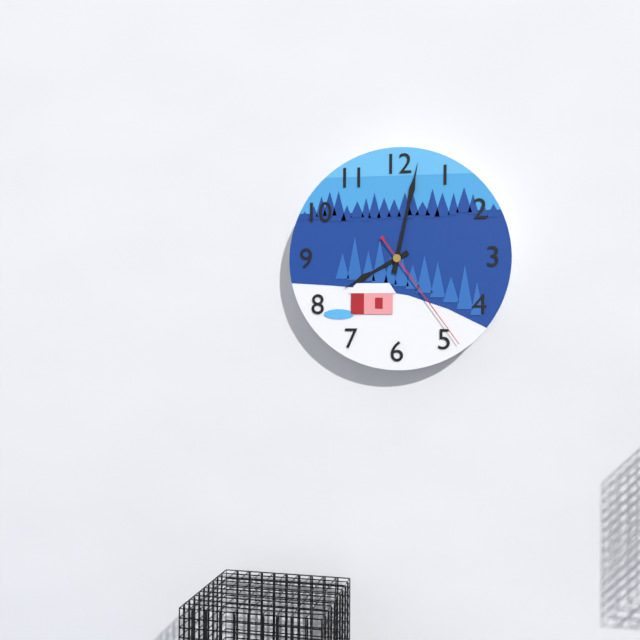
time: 8:02:24
